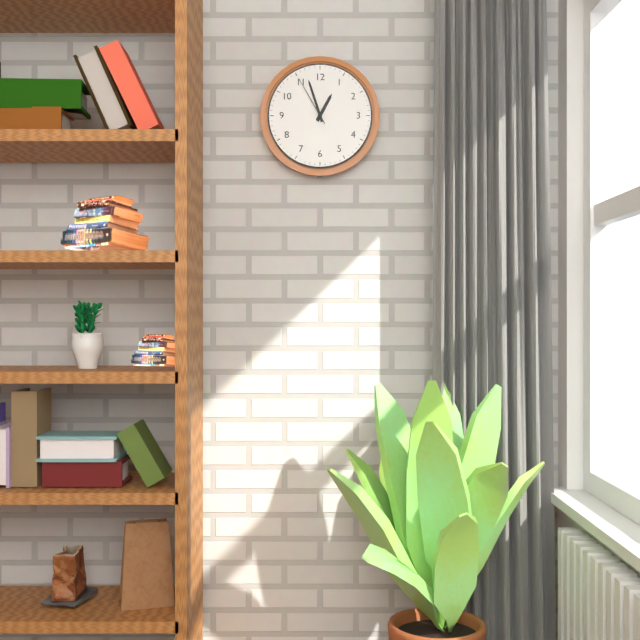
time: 12:57:55
